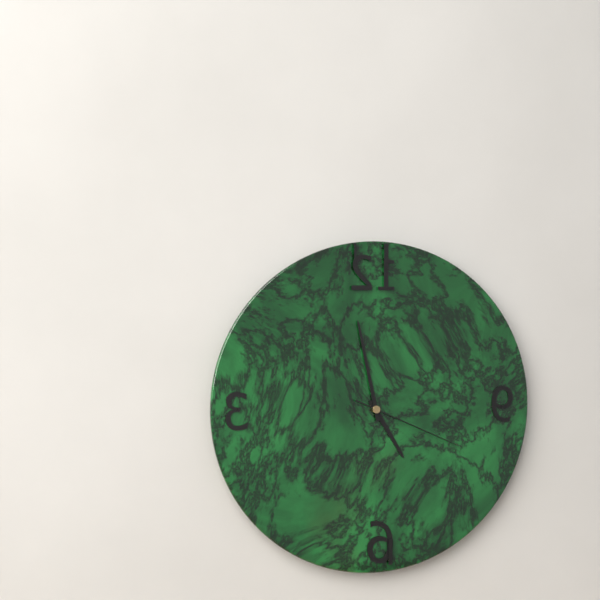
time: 4:58:19
